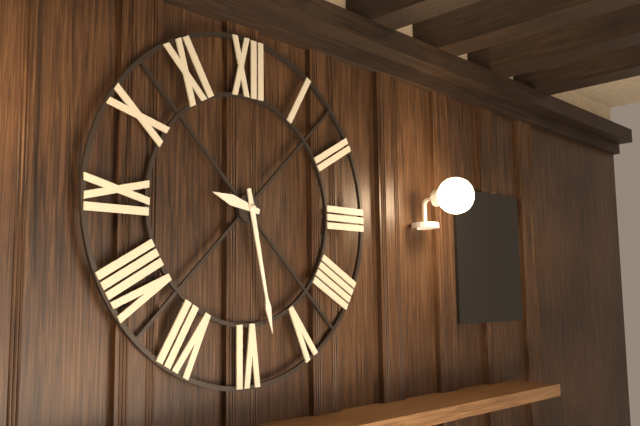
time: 9:28
